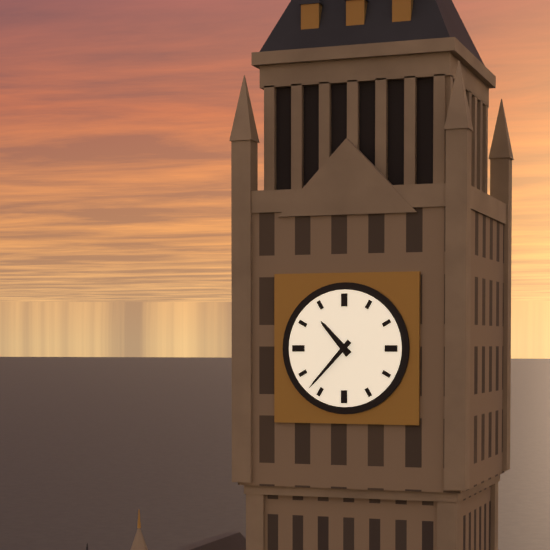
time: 10:37
